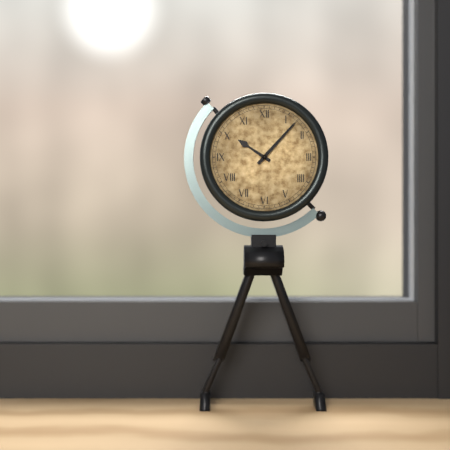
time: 10:07
